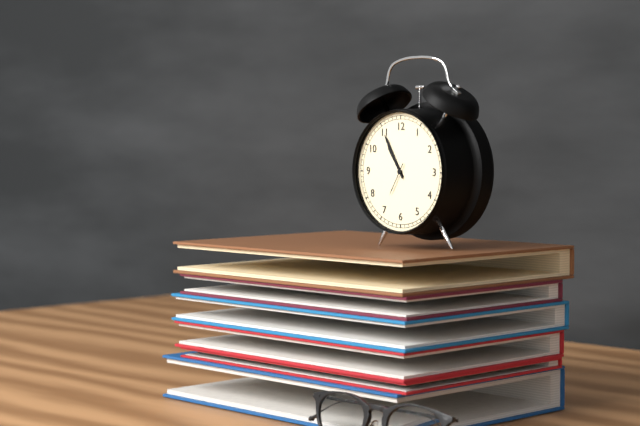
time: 10:55
